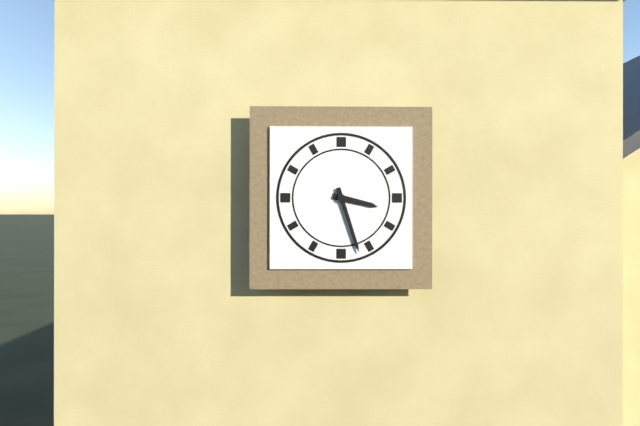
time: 3:27
